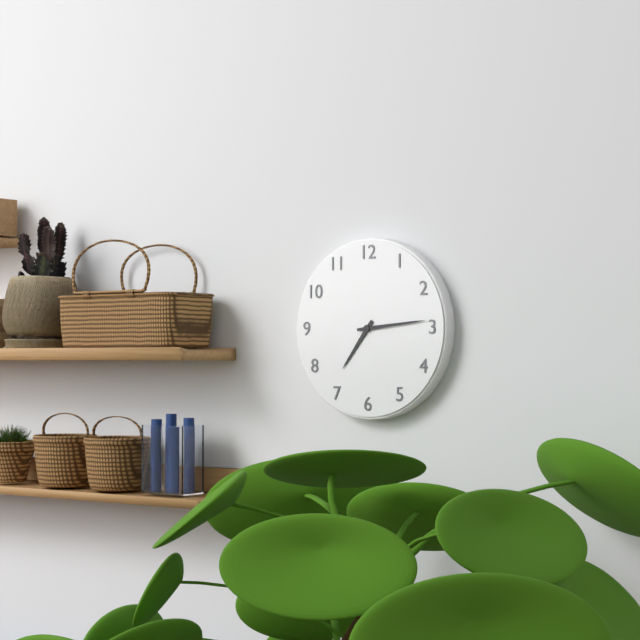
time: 7:14
